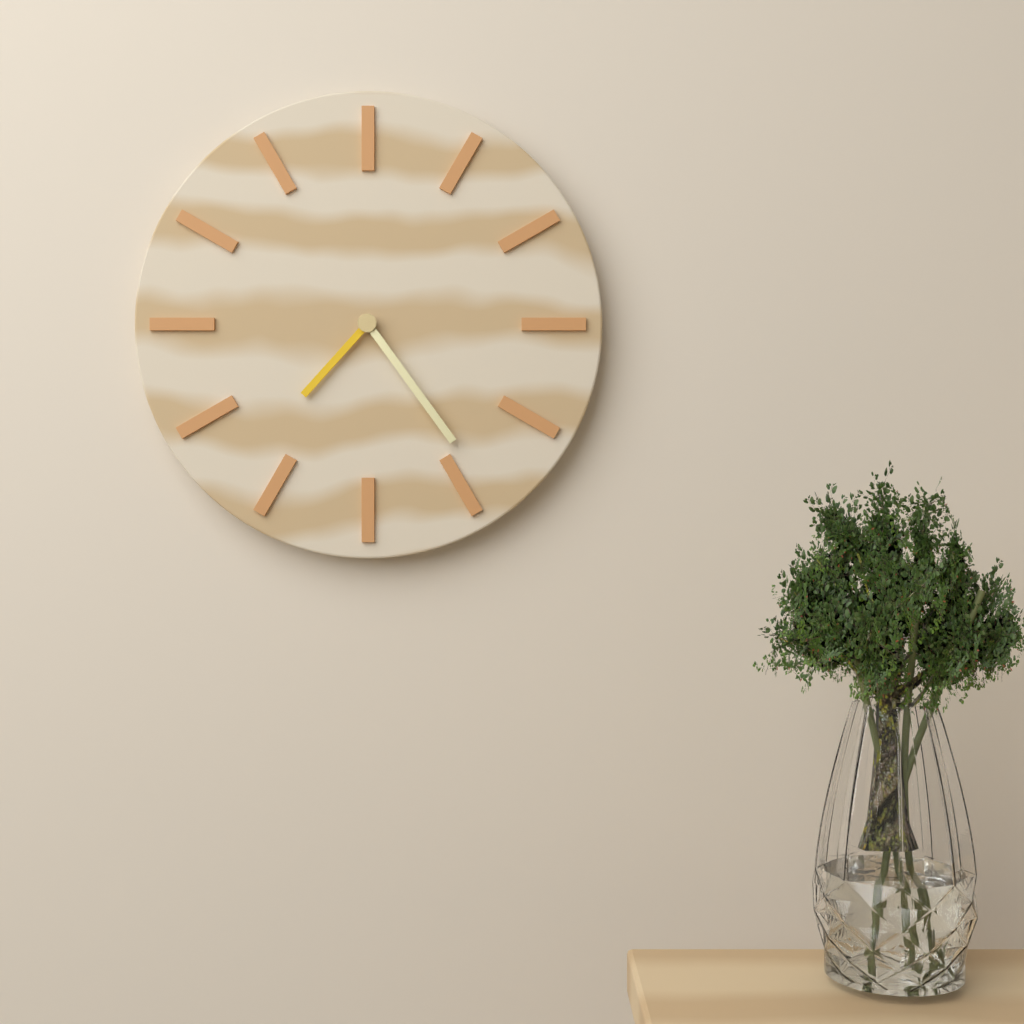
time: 7:24
